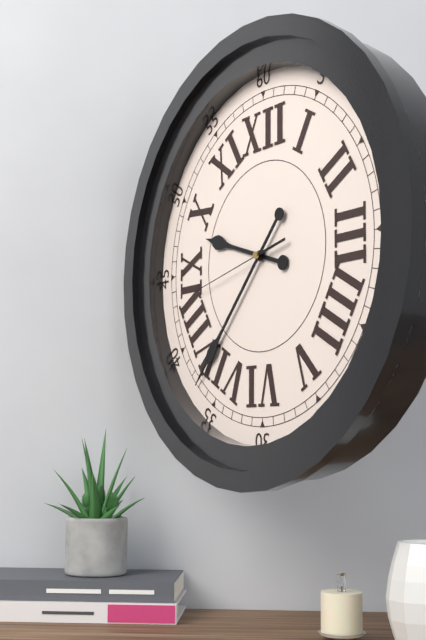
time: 9:37:43
